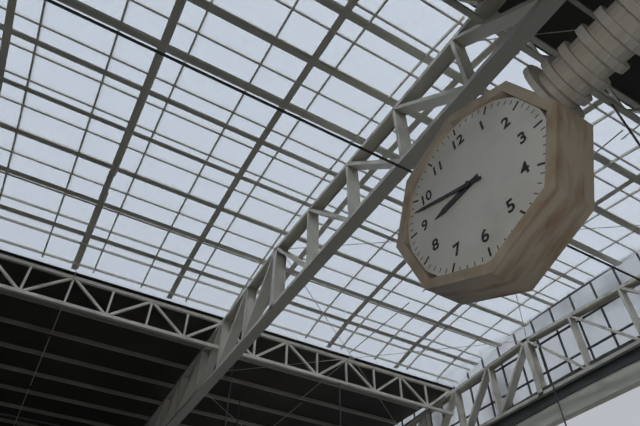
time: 8:48
